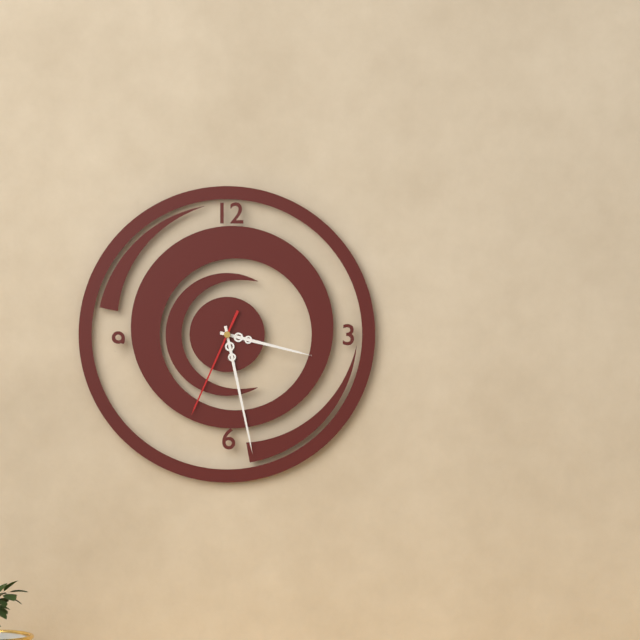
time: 3:28:34
